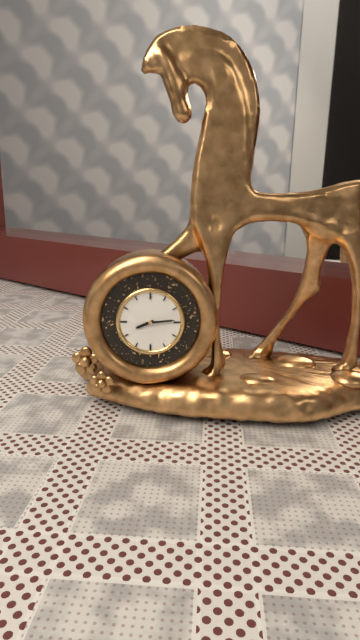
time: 8:14
